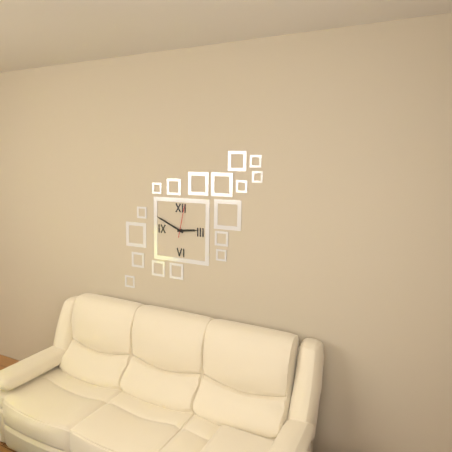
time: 2:49
